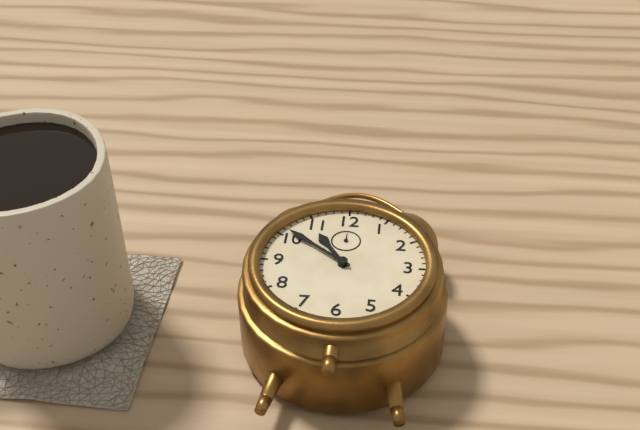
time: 10:51
